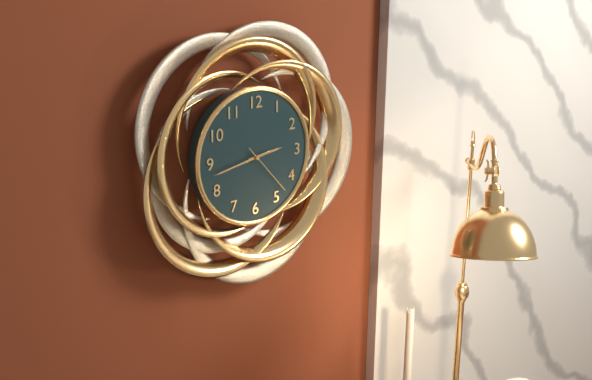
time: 2:43:23
